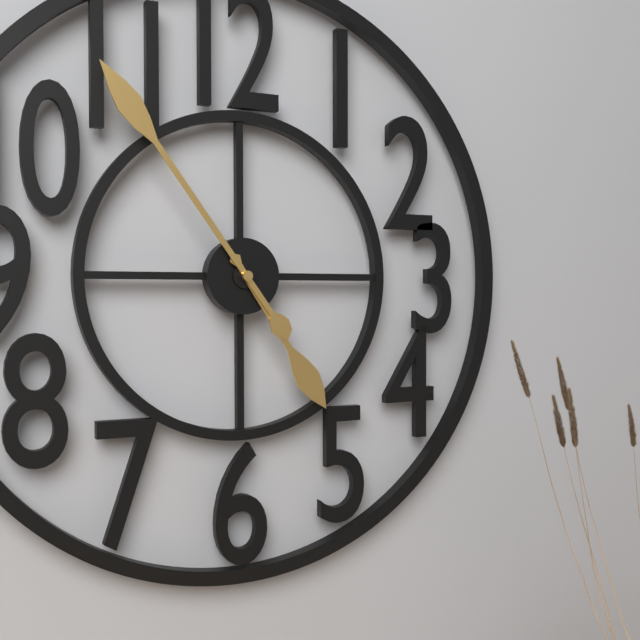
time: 4:54
